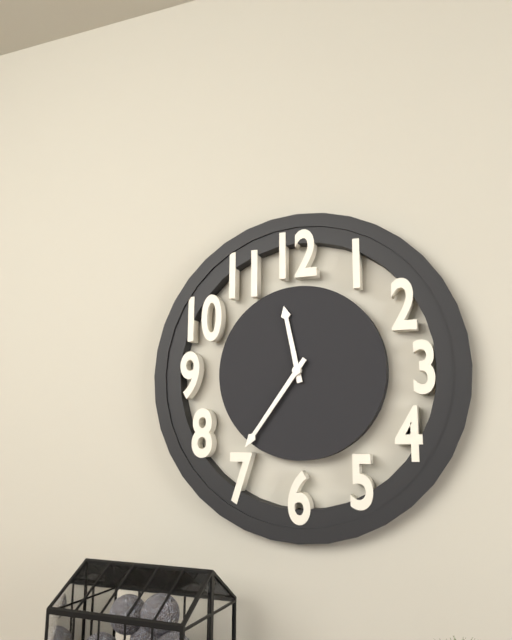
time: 11:36
